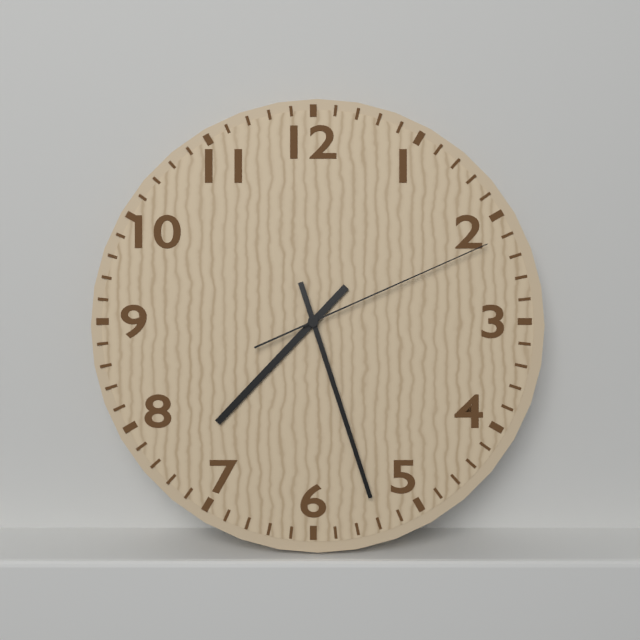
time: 7:27:11
